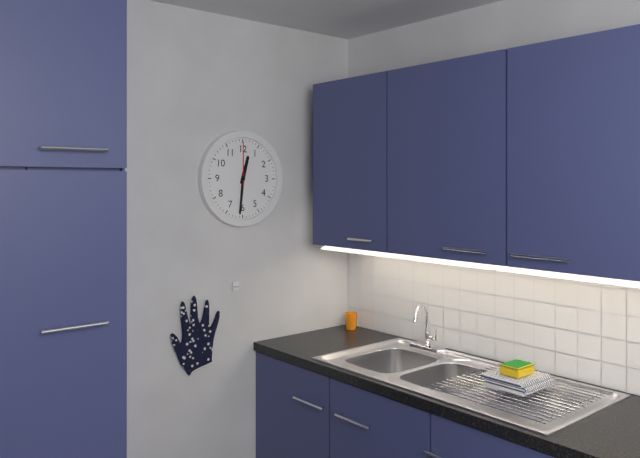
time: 12:31
